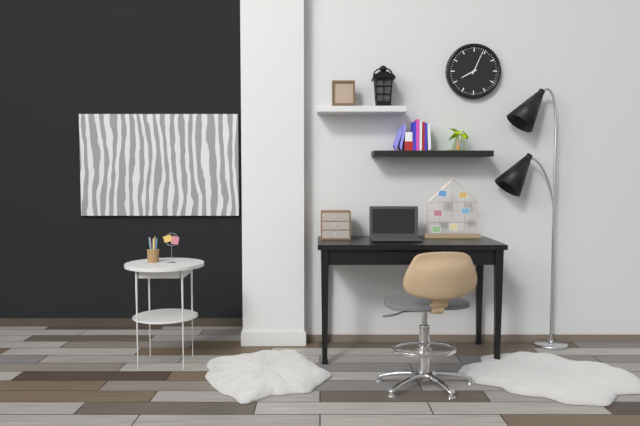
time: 8:04
